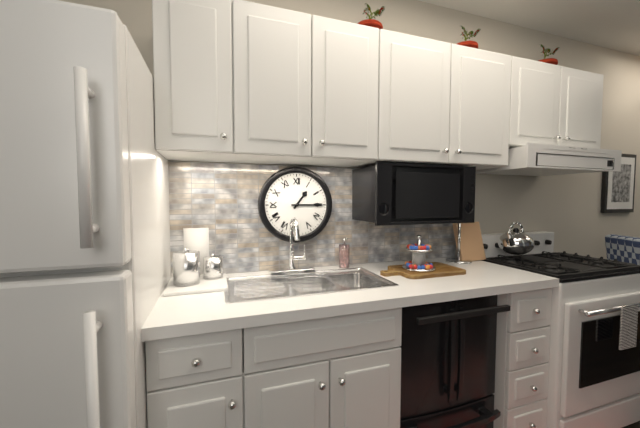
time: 1:15
